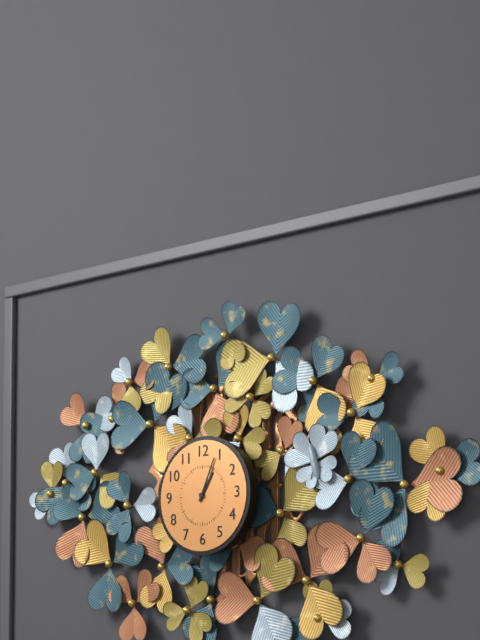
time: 1:04
